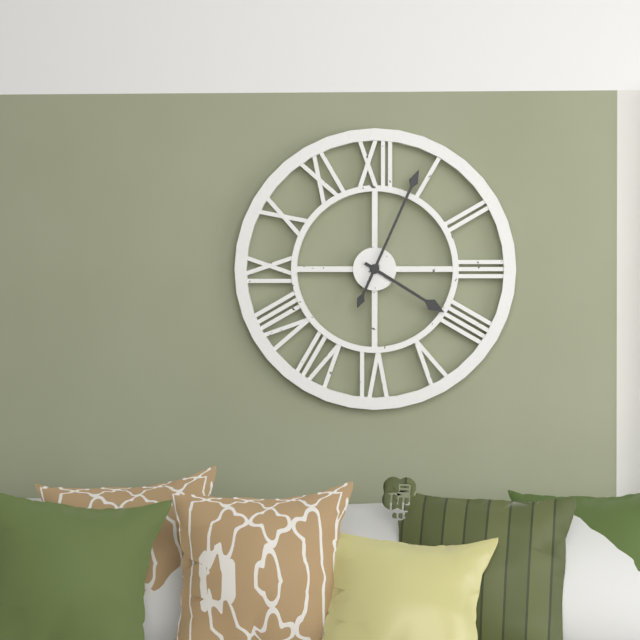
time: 4:04
